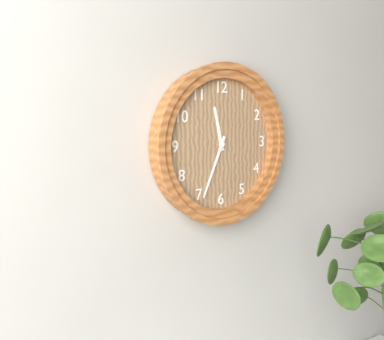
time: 11:34
